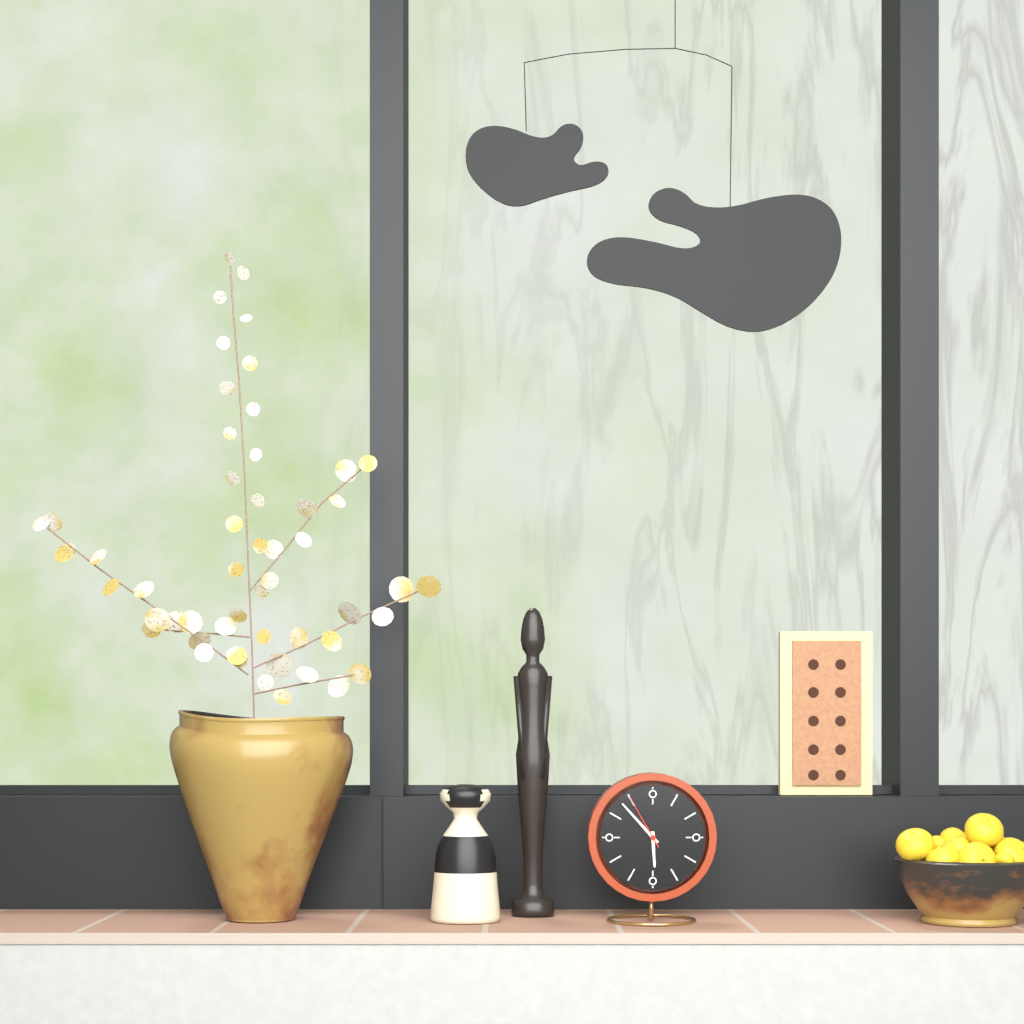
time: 5:53:55
